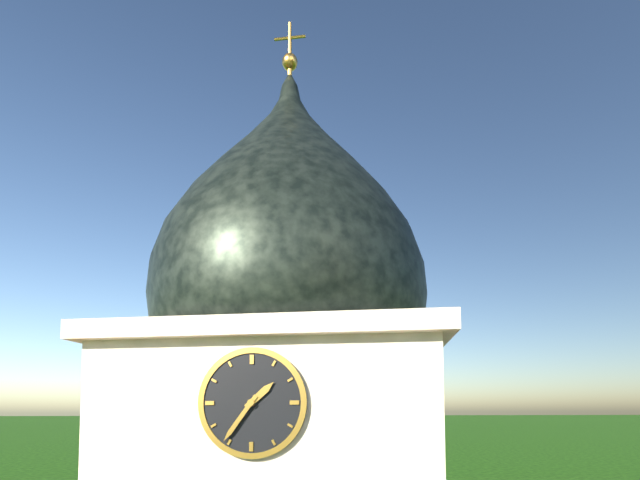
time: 1:36
